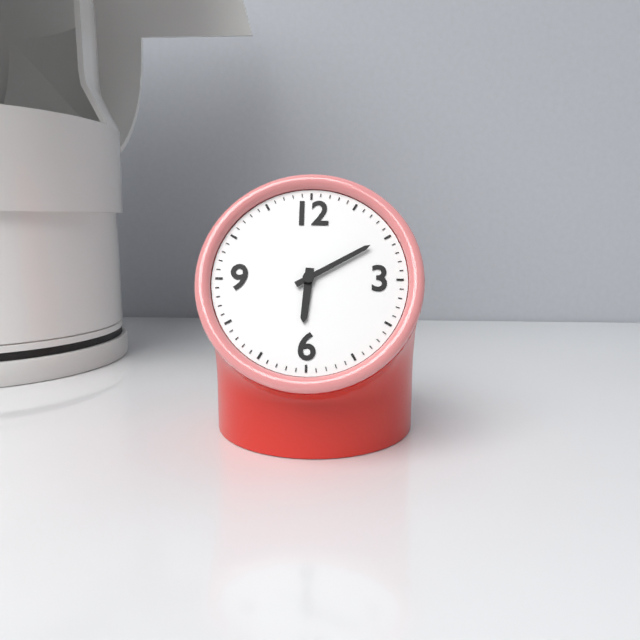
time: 6:10
